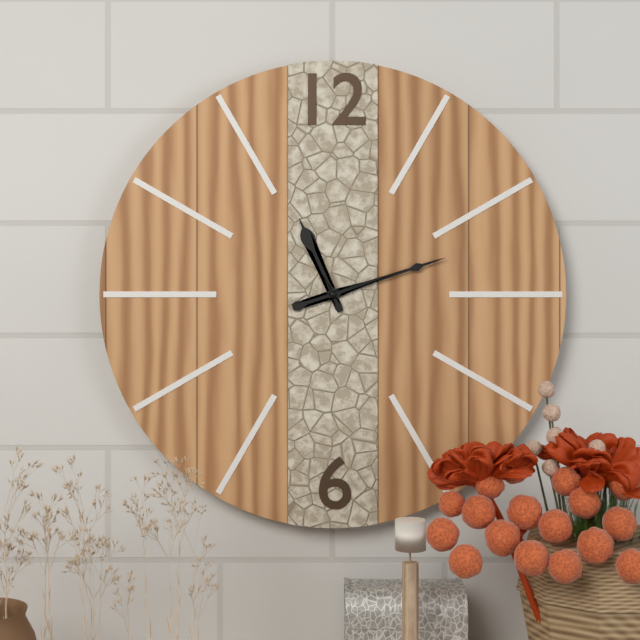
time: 11:12
